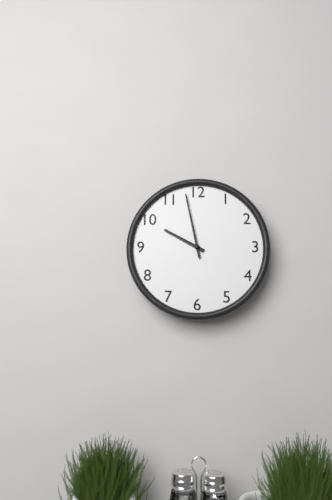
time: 9:58
